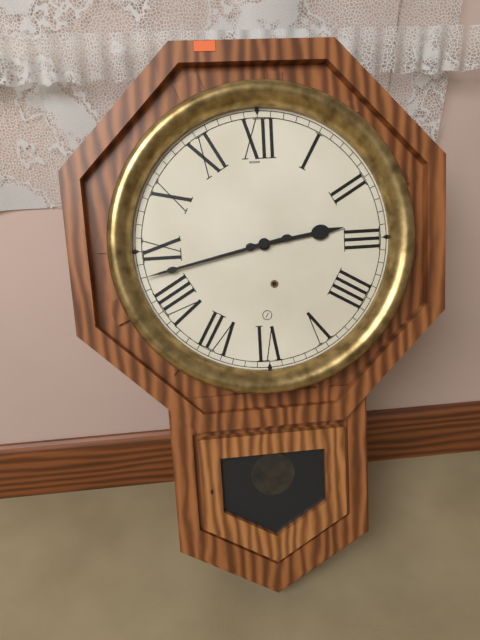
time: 2:43
